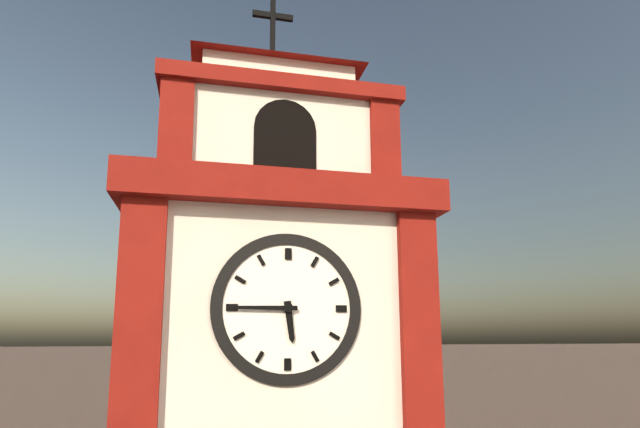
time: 5:45
